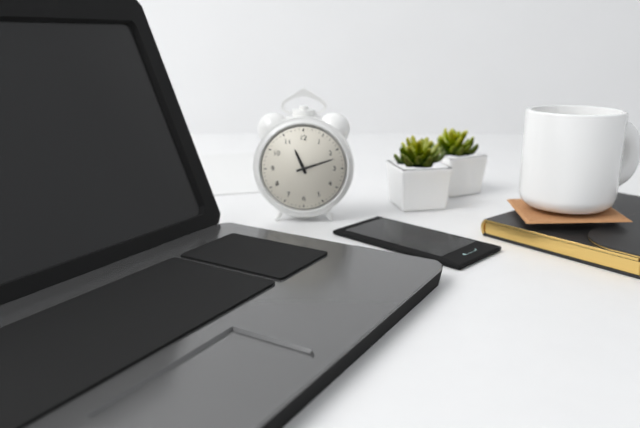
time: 11:12
